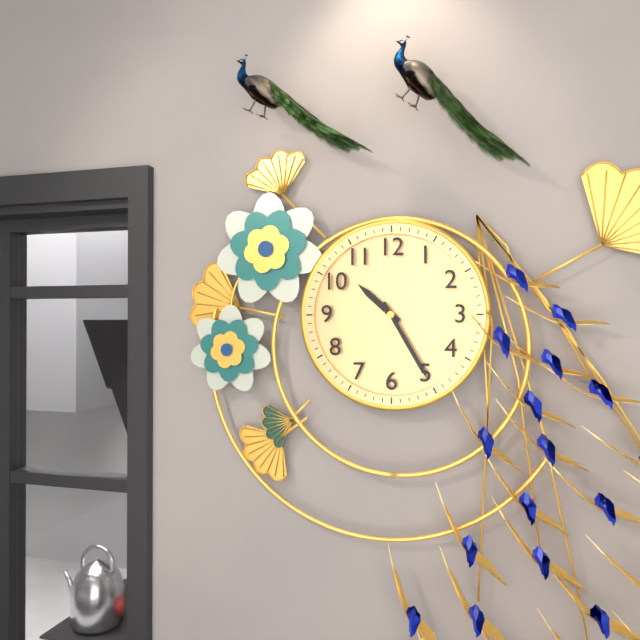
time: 10:25
